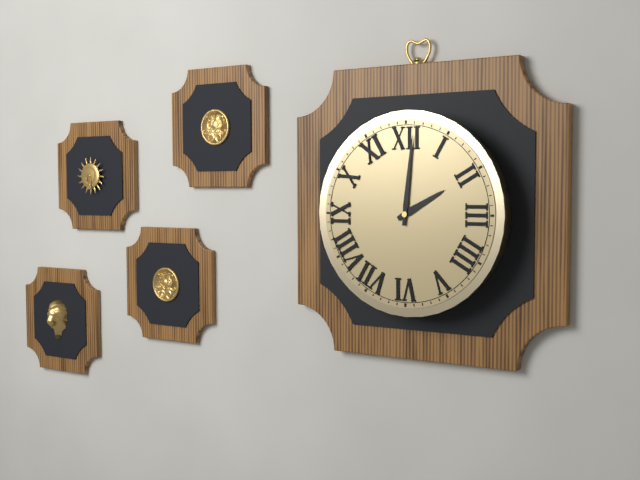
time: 2:01
